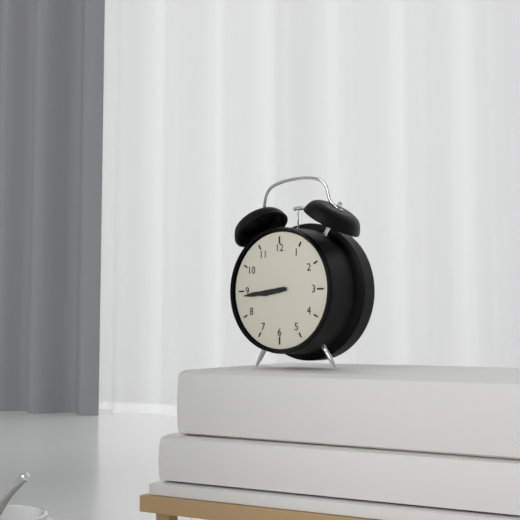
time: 8:44
